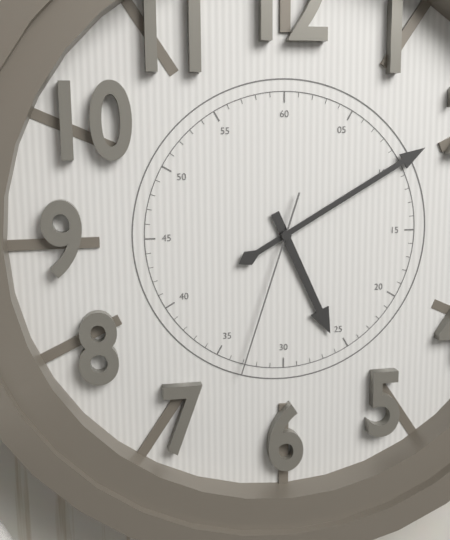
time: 5:10:33
